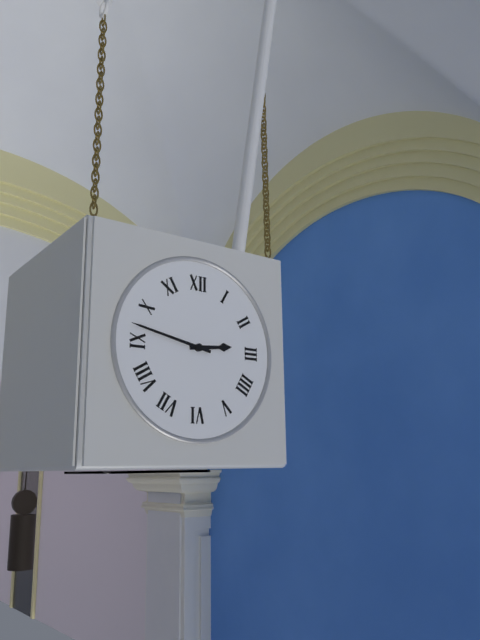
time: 2:47
